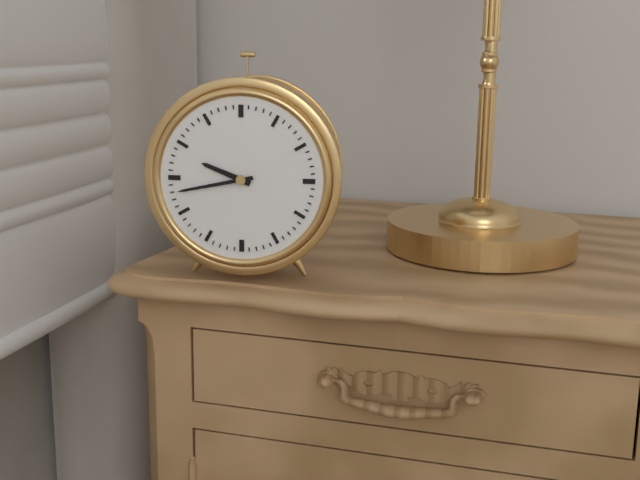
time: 9:43
